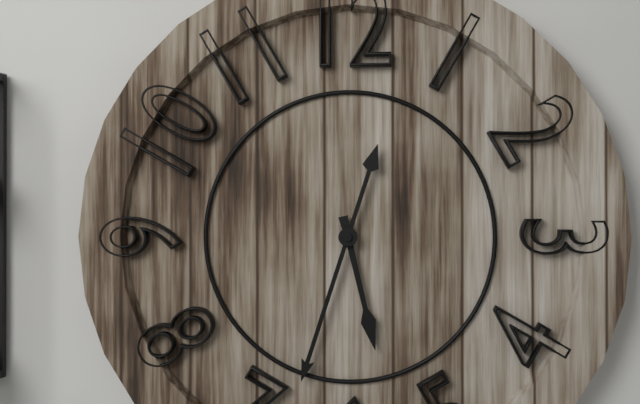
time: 5:33
